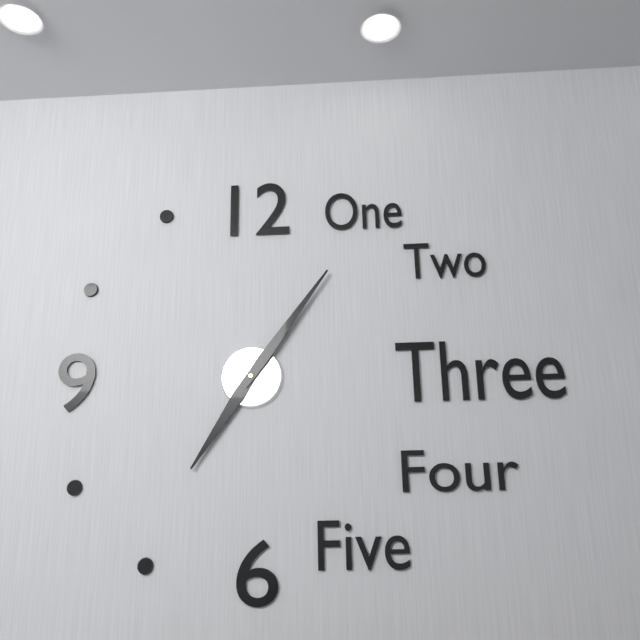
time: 7:06
